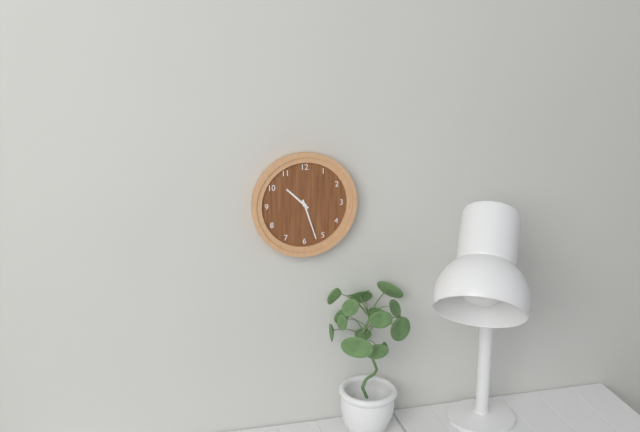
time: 10:27
